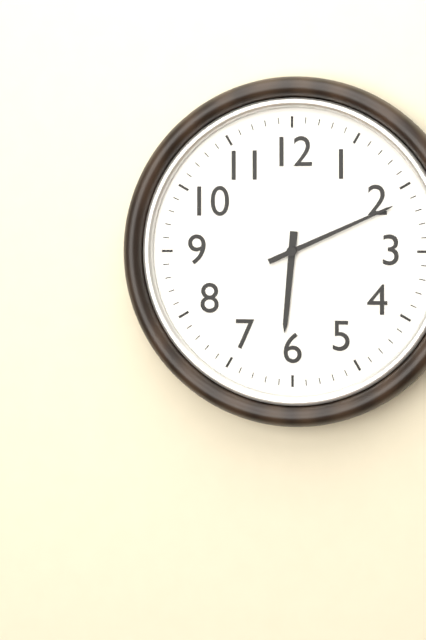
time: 6:11
